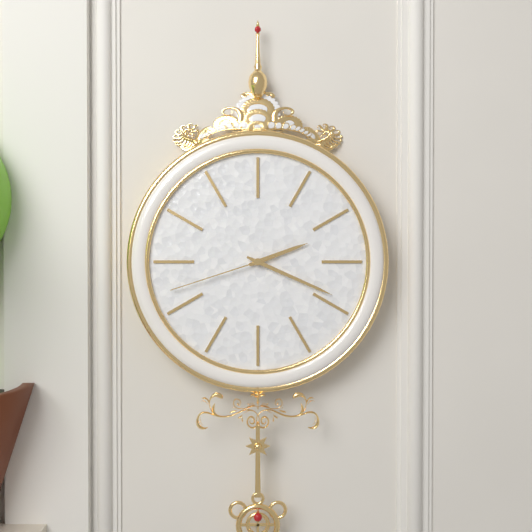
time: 2:19:42
